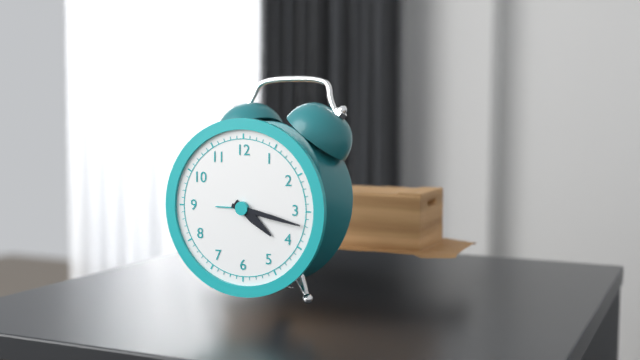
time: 4:17
